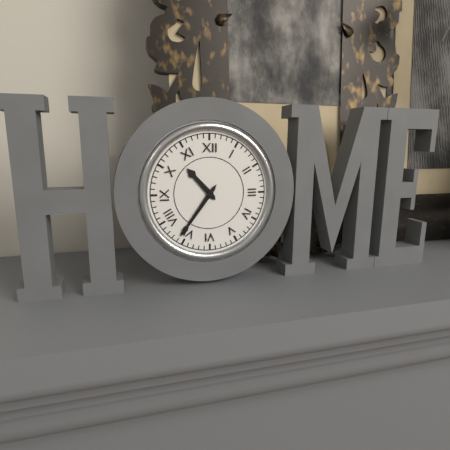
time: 10:36
